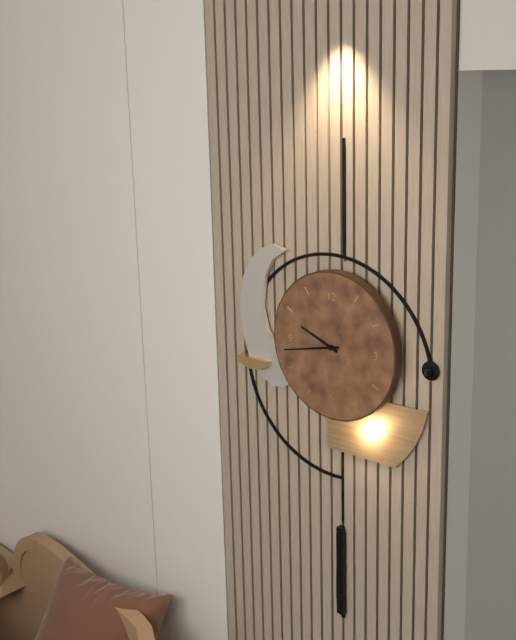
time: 9:43
